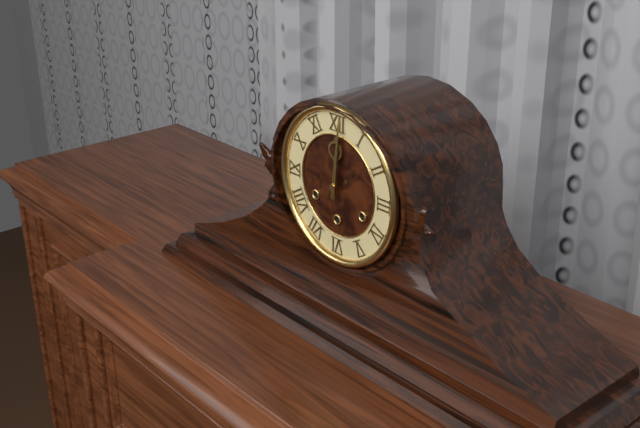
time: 12:01
